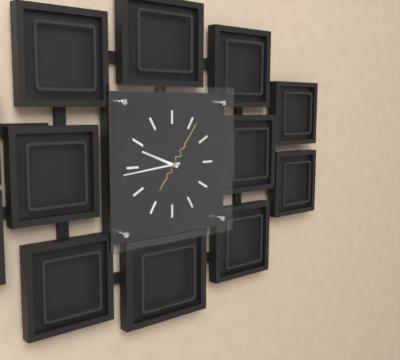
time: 9:44:06
